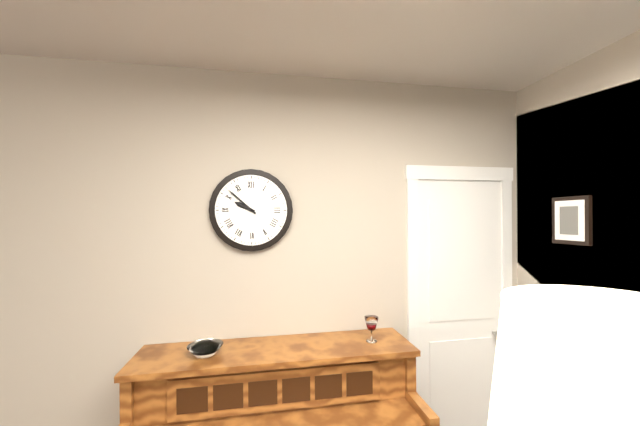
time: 9:52
